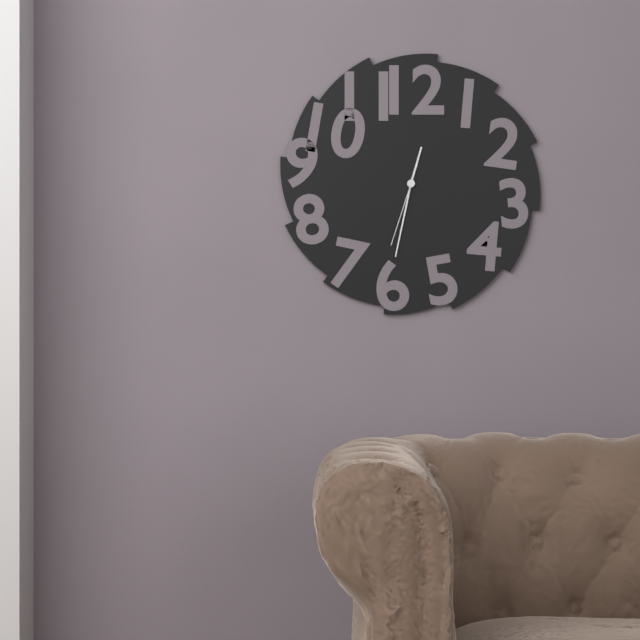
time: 12:32:33
